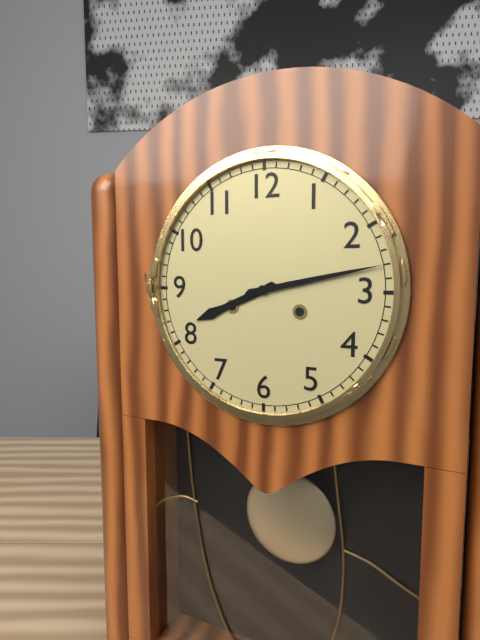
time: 8:13
